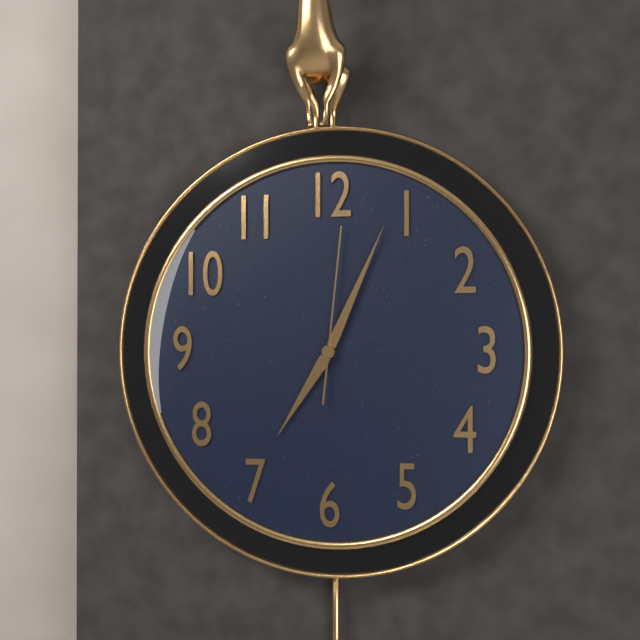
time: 7:04:01
